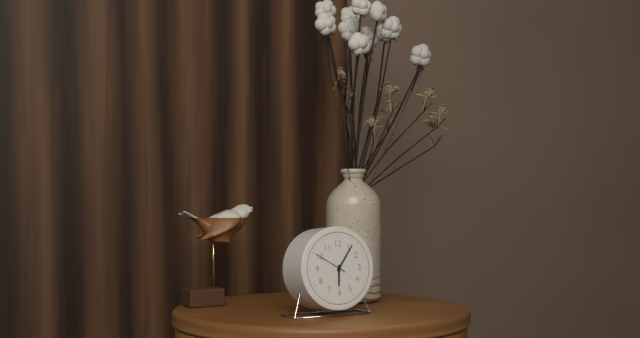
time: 6:06
